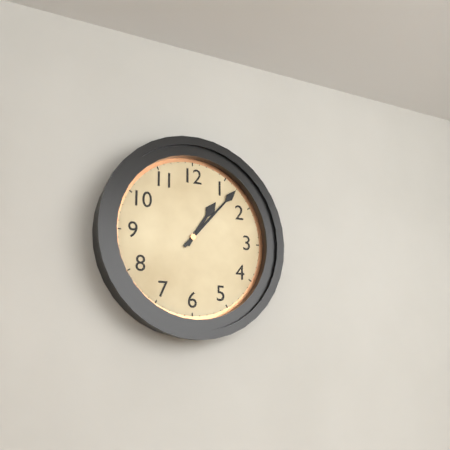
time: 1:07
